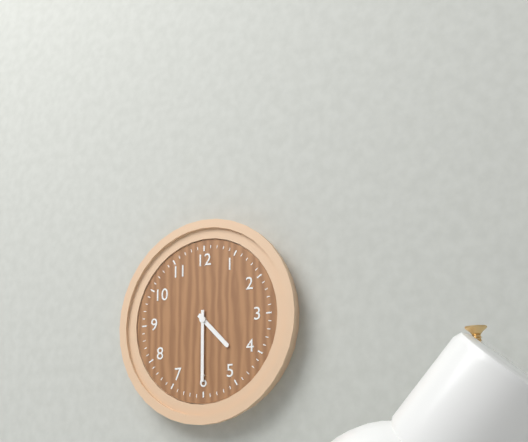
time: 4:30
